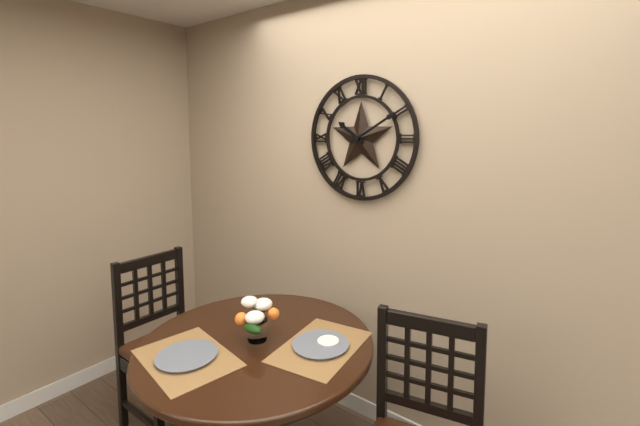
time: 10:10
